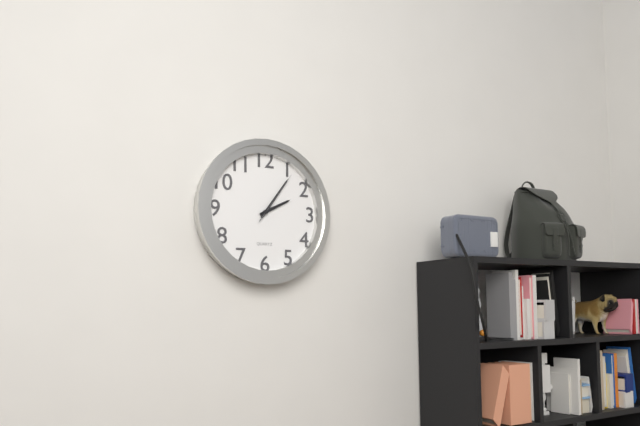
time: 2:06:06
